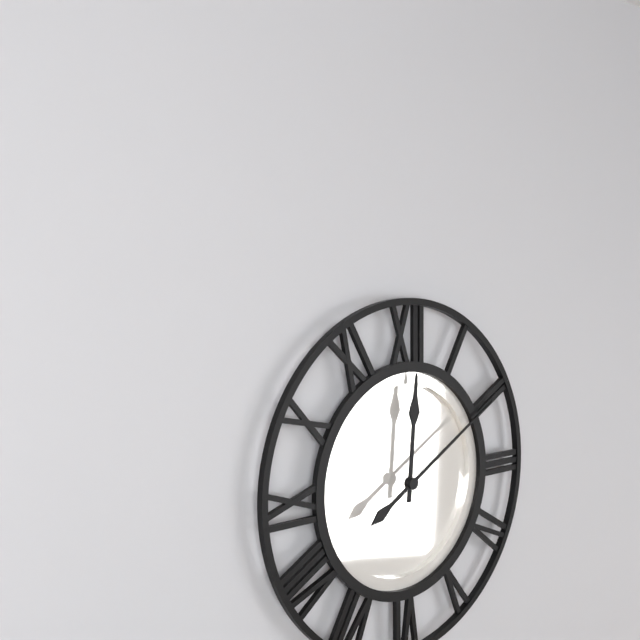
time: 12:10
